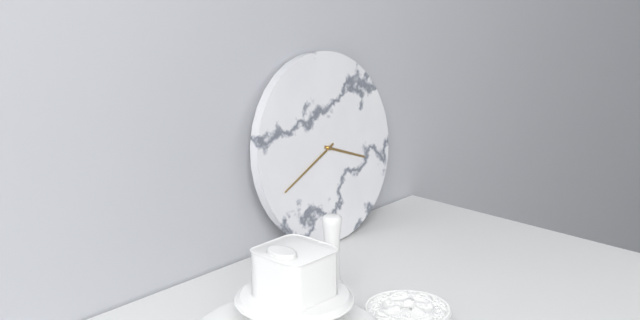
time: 3:41
